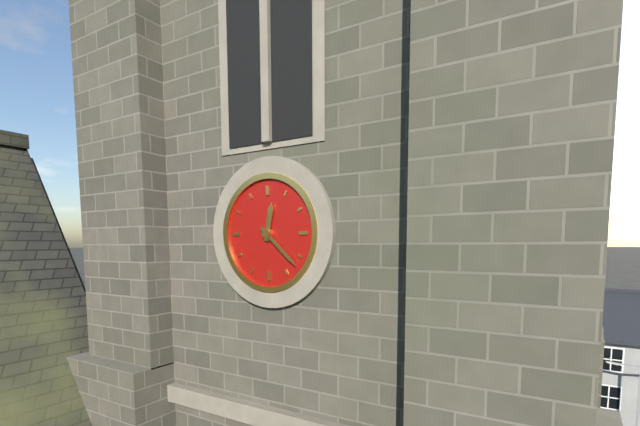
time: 12:22
